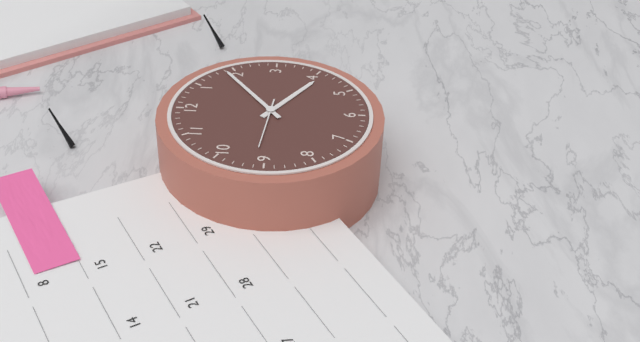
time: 4:09
